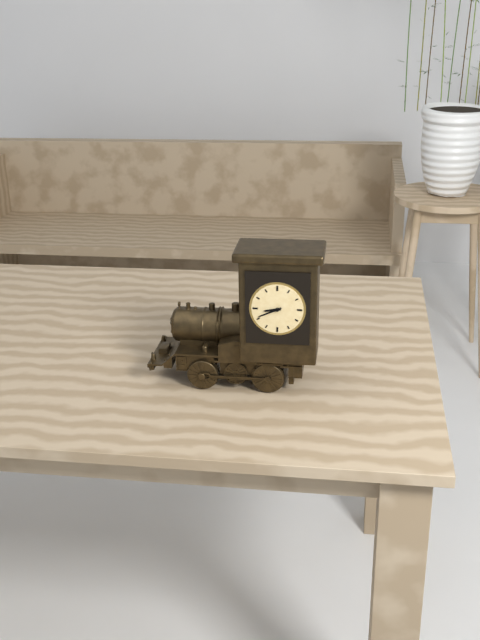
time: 8:41
